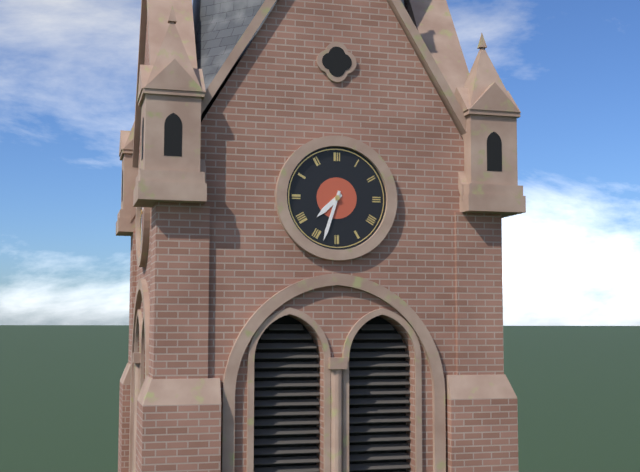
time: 7:33
